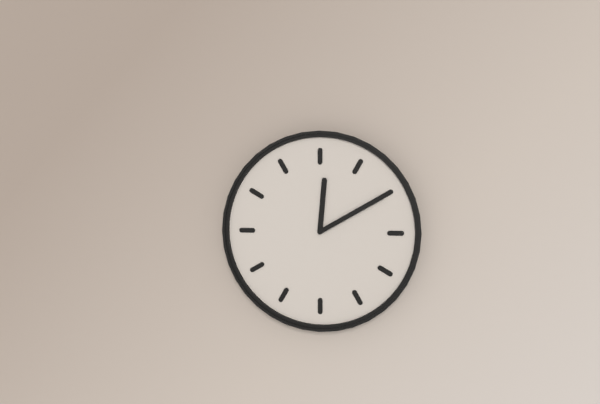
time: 12:10
